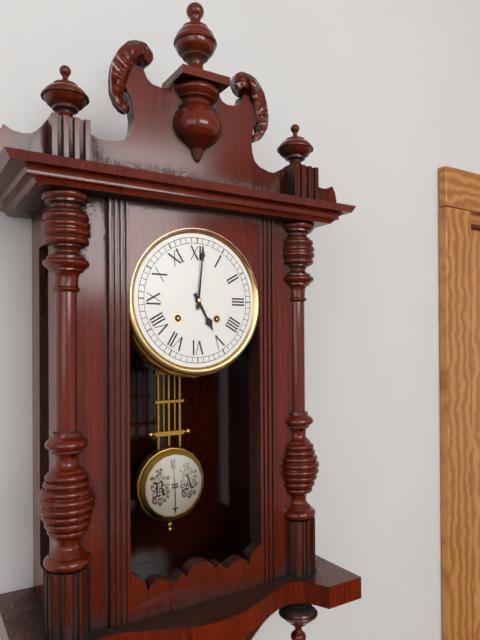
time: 5:01
